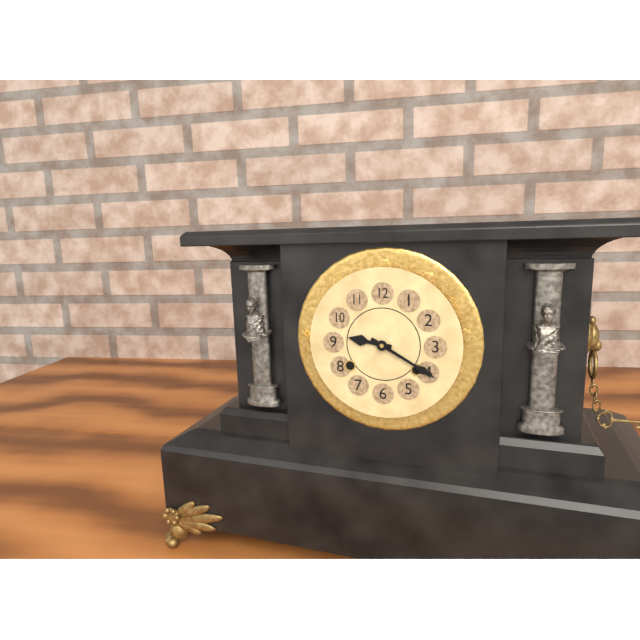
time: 9:20
